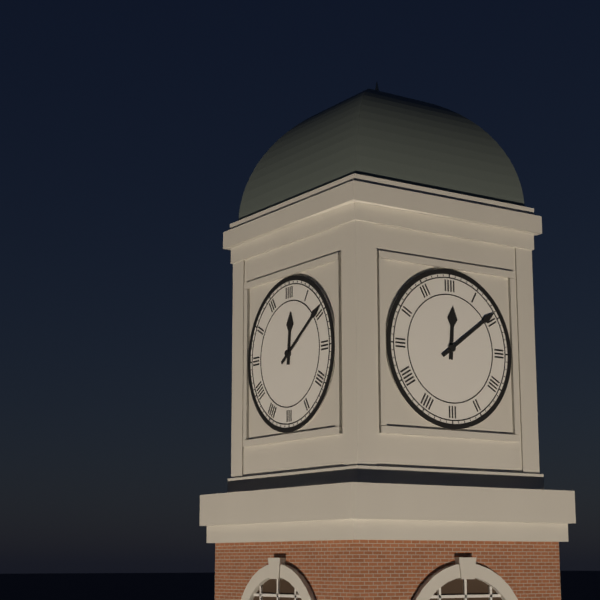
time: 12:09
